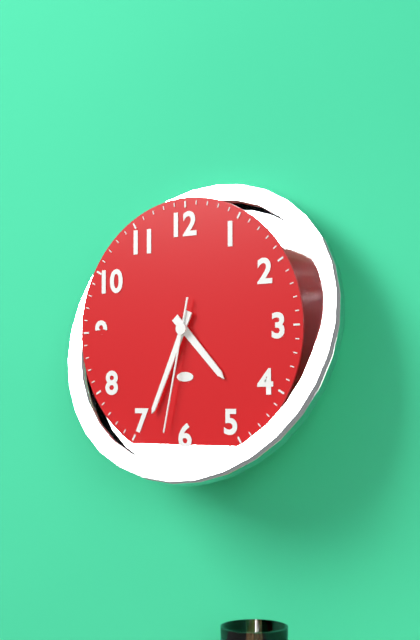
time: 4:34:32
